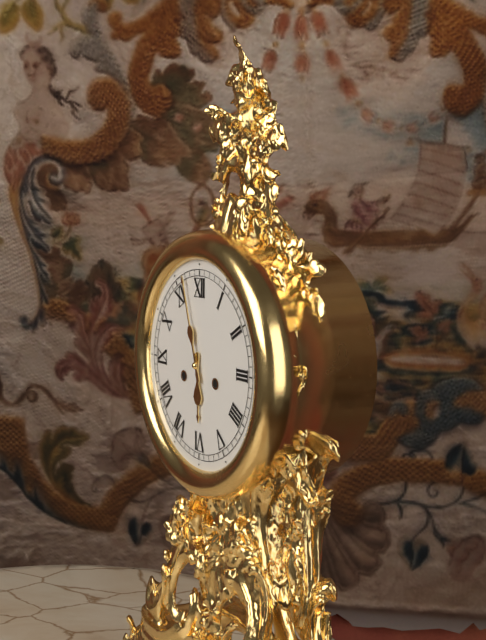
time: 5:57
